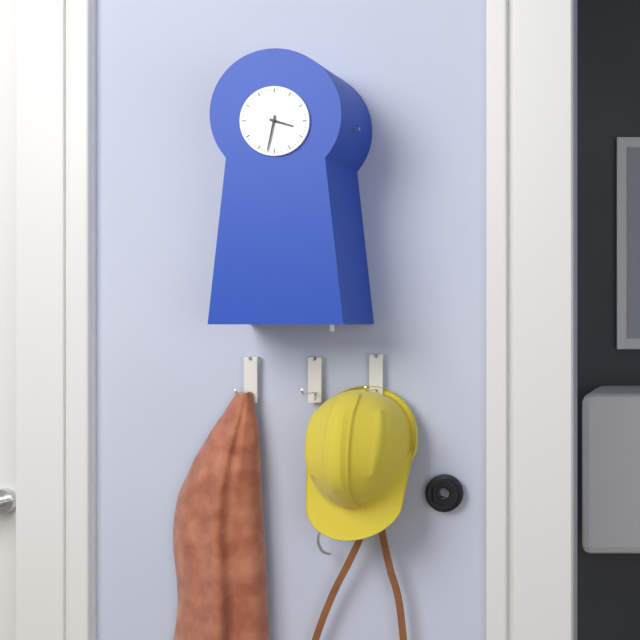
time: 3:32
